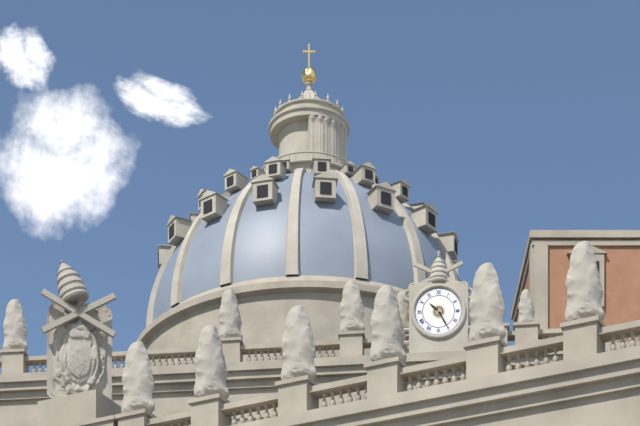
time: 10:25
